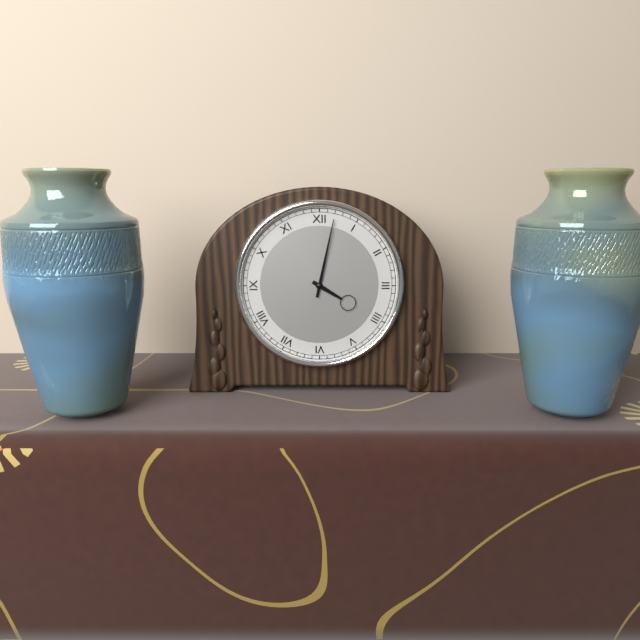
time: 4:02
